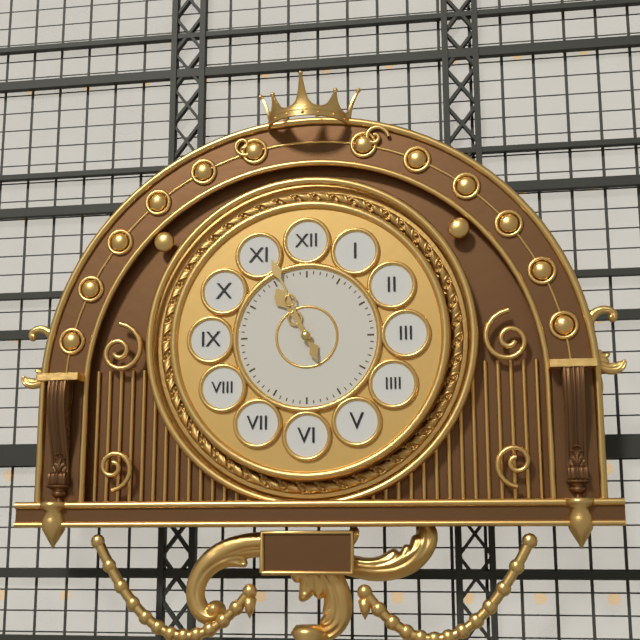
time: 10:56
